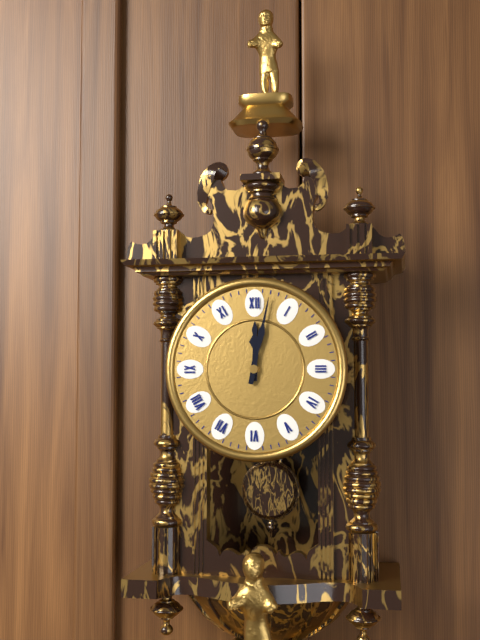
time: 12:02
